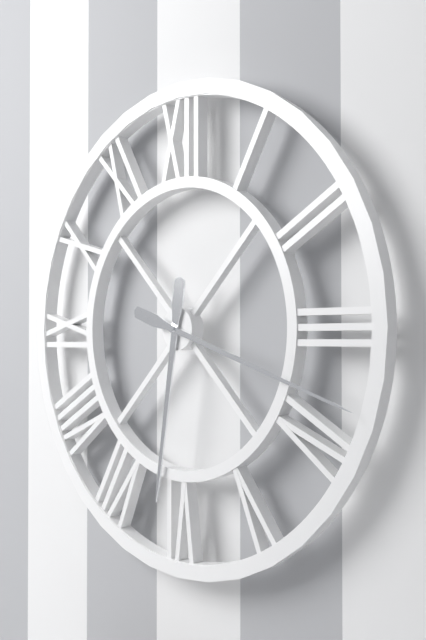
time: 6:18
